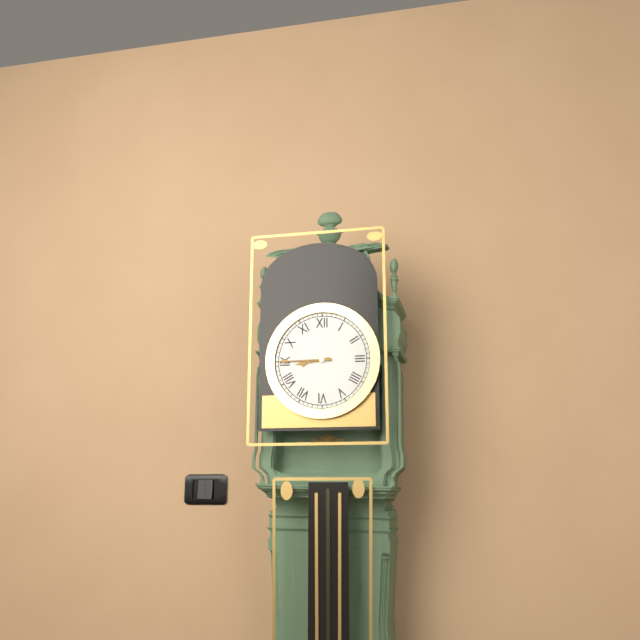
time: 8:45
